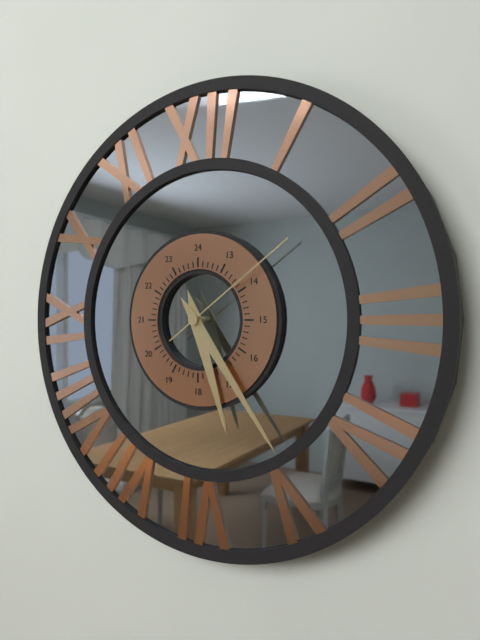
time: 5:24:09
